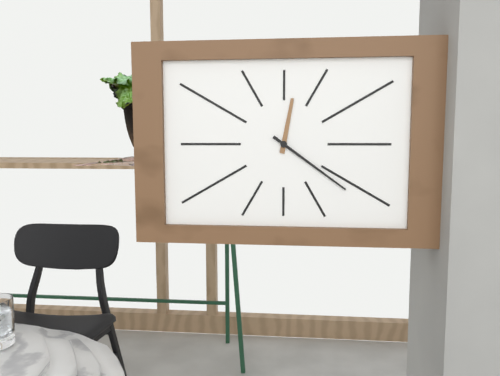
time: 12:21
